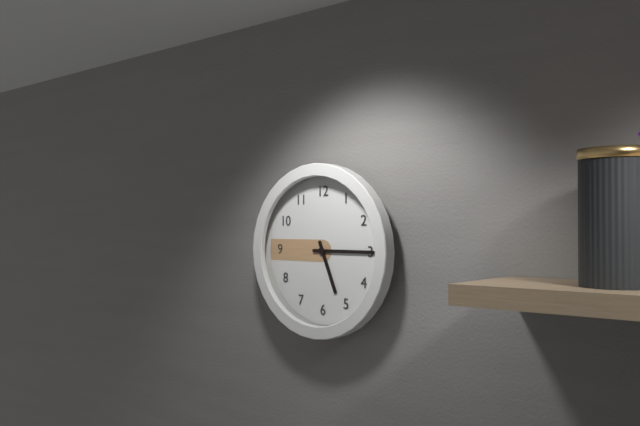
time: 5:15
